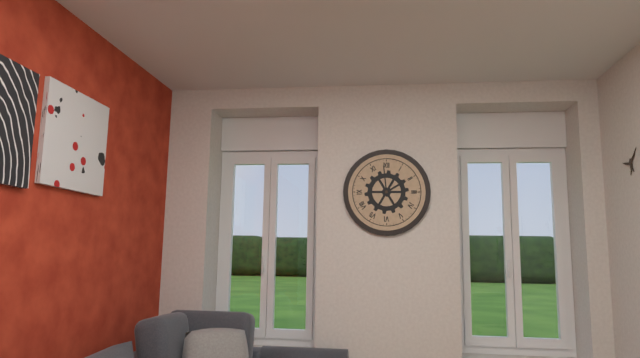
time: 1:59
